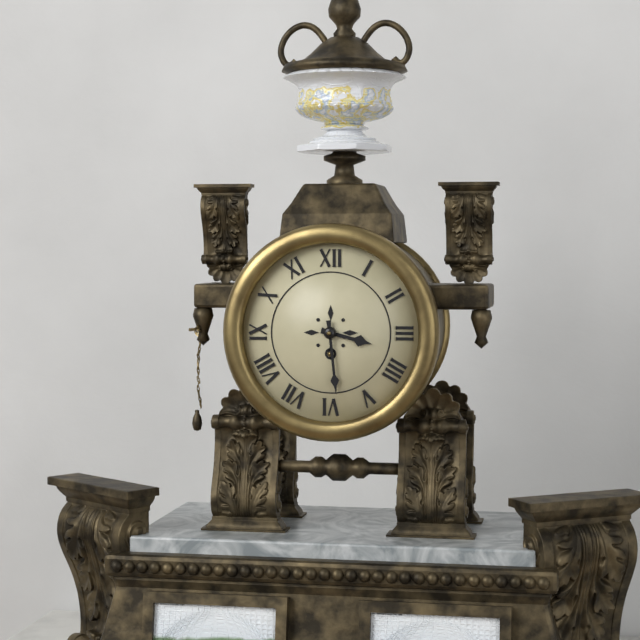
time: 3:29
